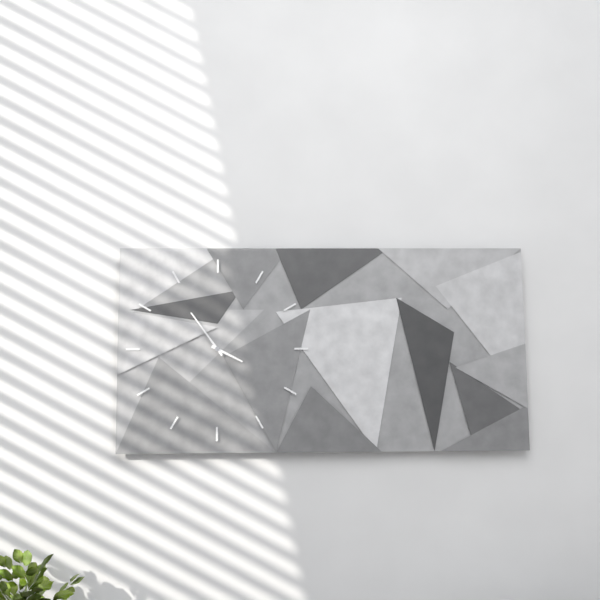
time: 3:54
